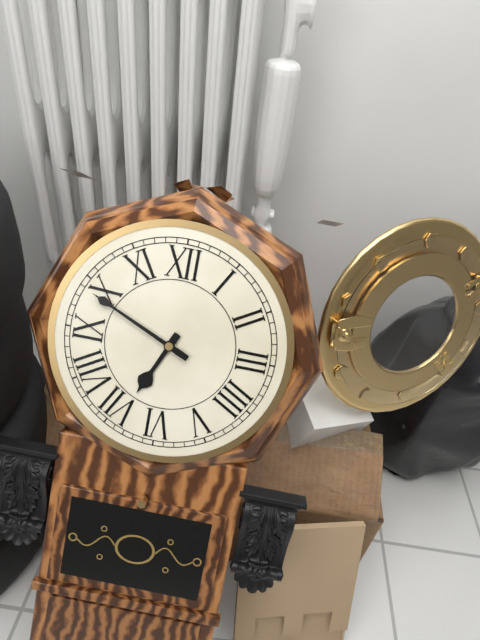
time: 6:49
